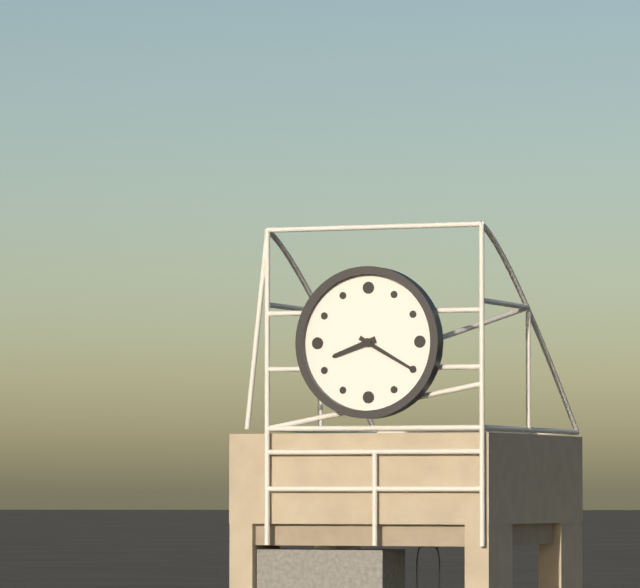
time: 8:20
